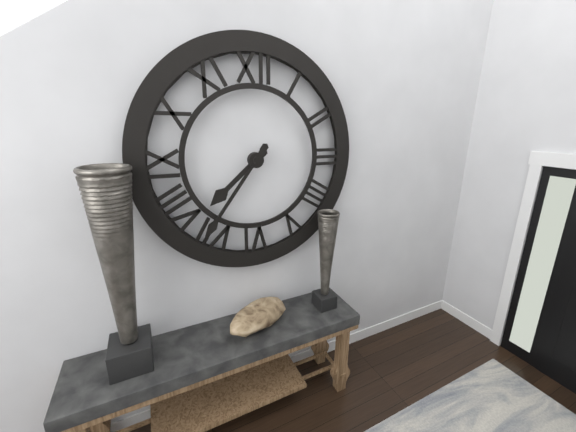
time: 7:36
